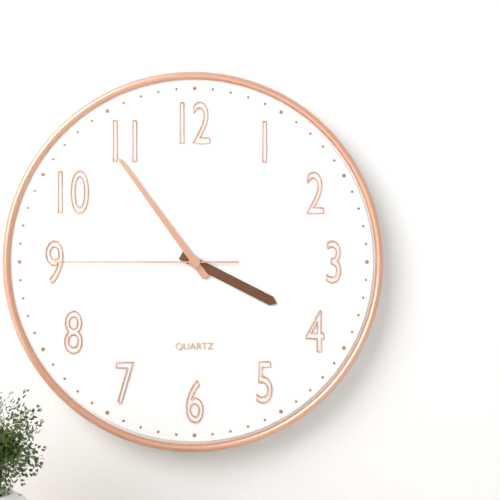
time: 3:54:45
